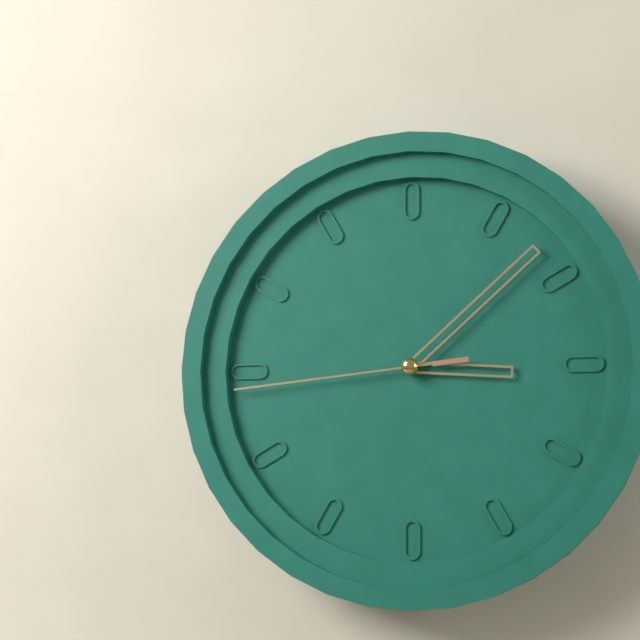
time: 3:08:44
